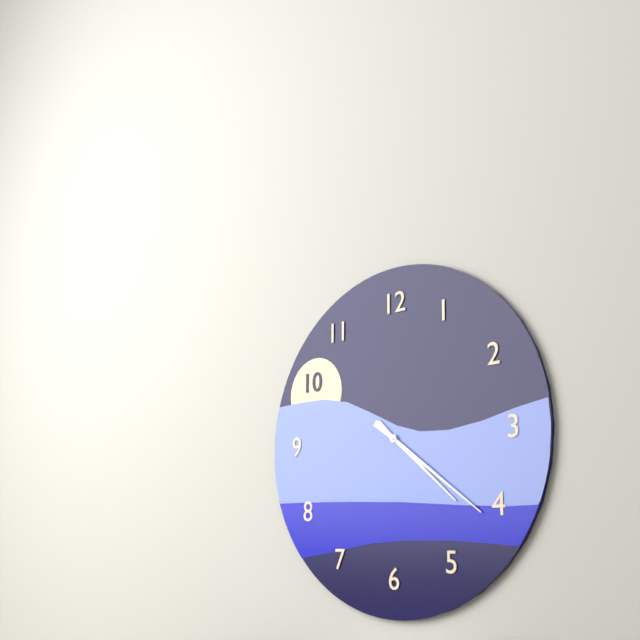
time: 4:21
